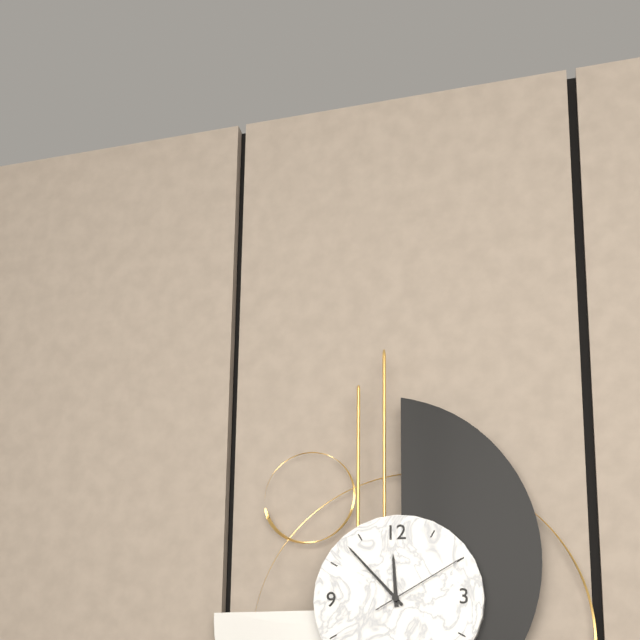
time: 11:53:10
